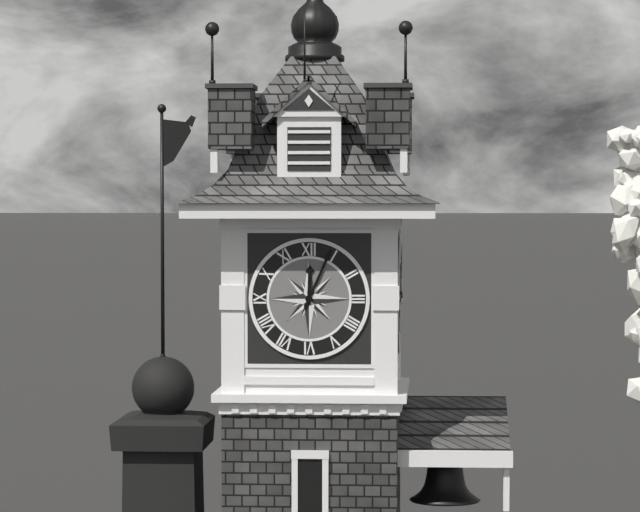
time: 12:04
